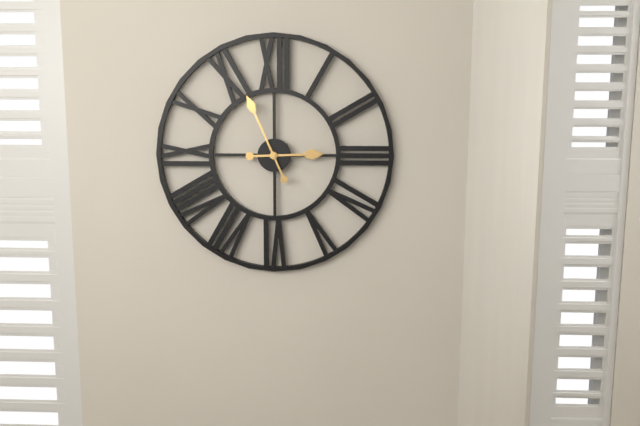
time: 2:56
